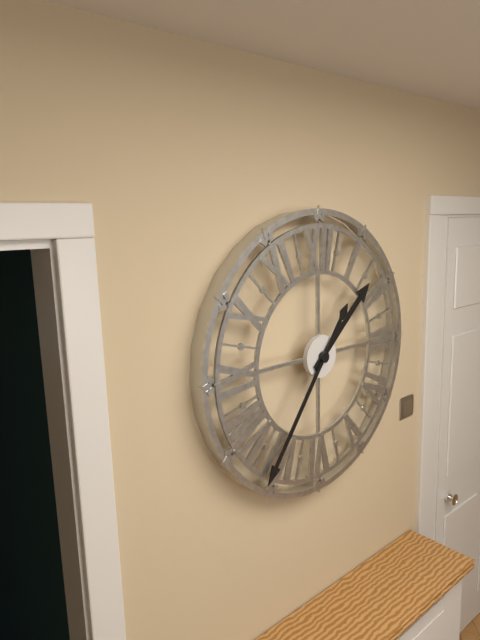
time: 1:36
